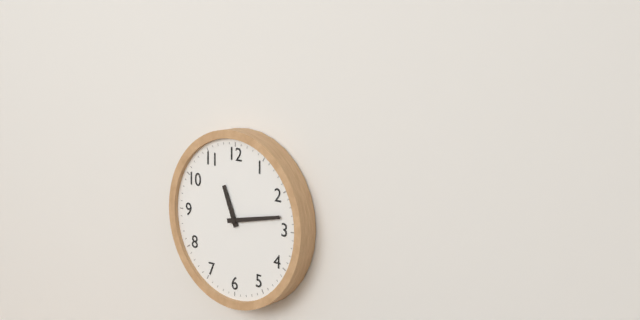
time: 11:13
